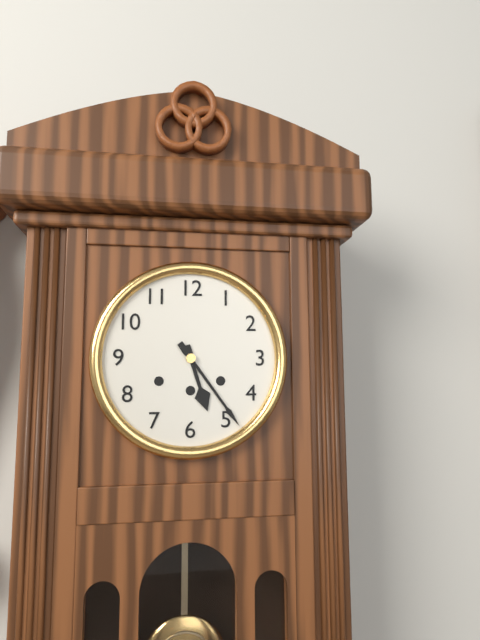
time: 5:24
